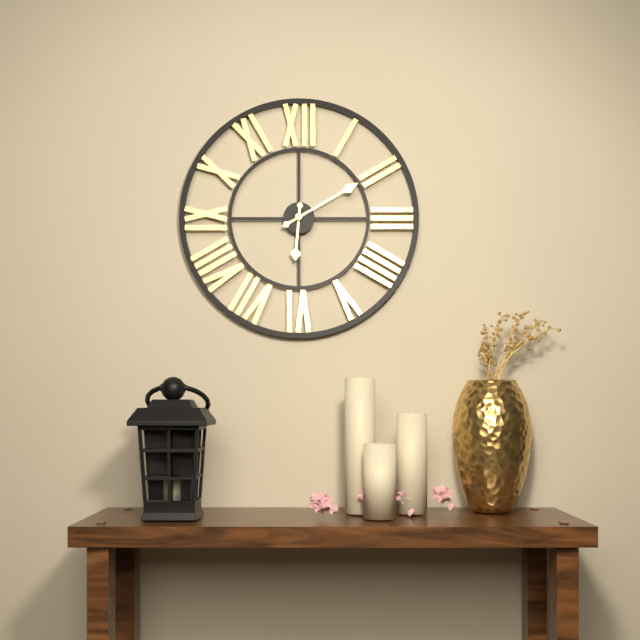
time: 6:10
